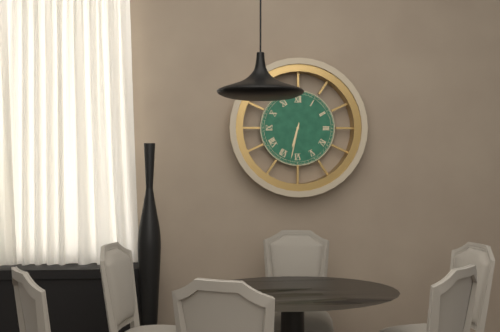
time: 6:32
